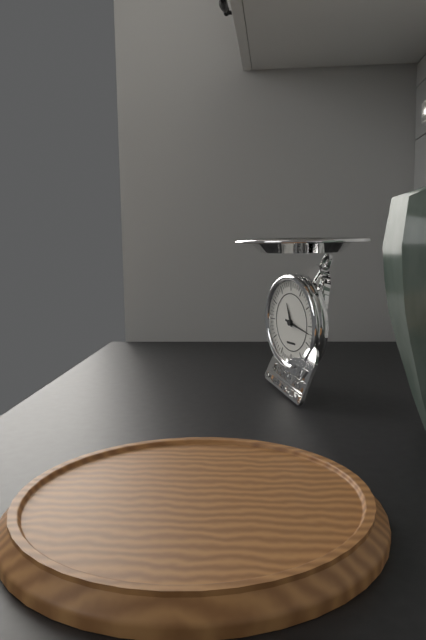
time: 11:17
